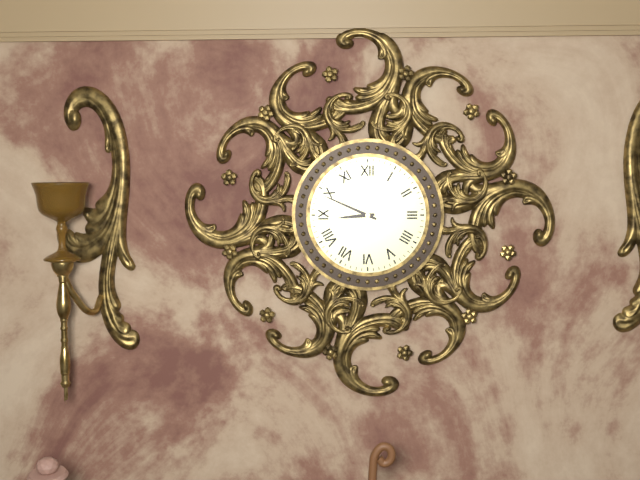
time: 8:49
